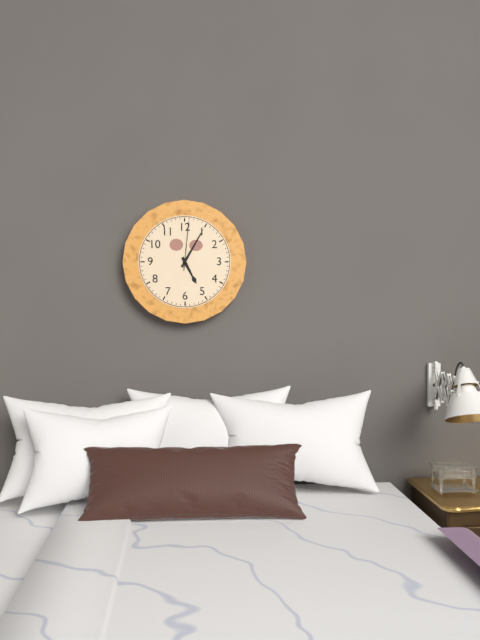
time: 5:05:01
